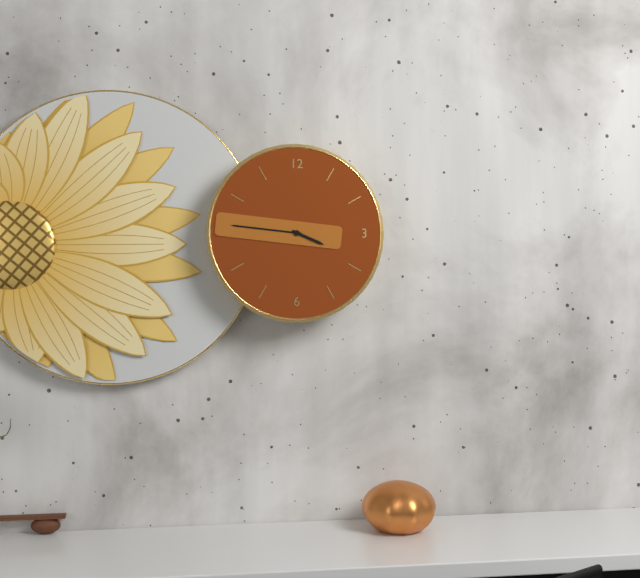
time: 3:46
